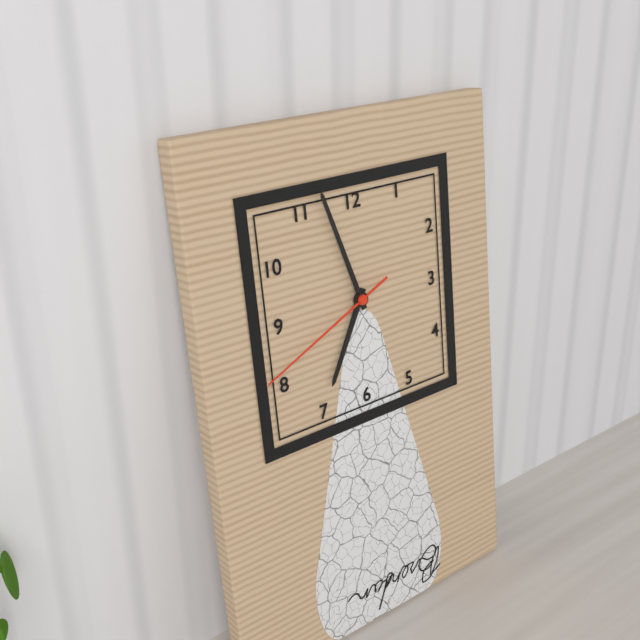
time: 6:57:41
